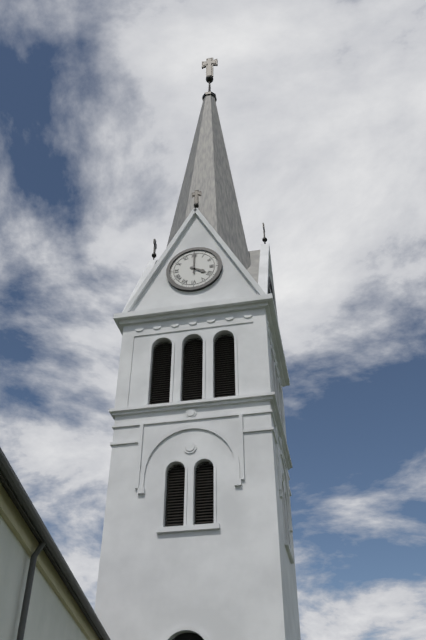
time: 4:00
